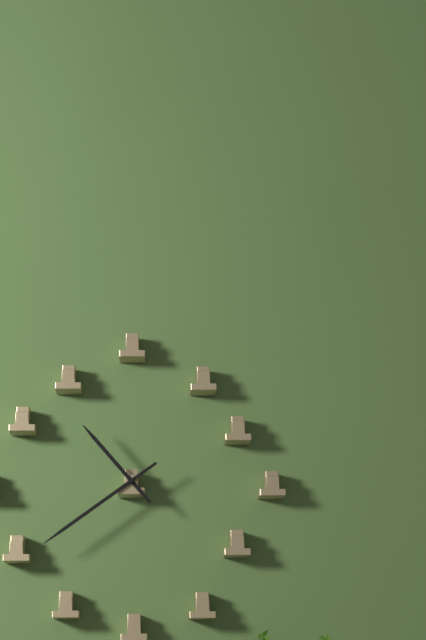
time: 10:39
